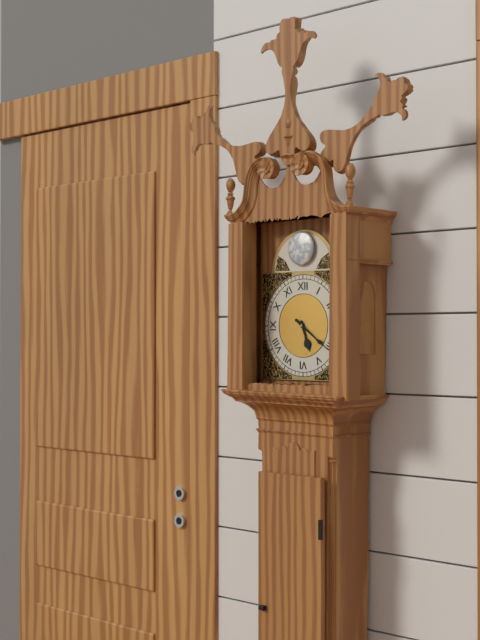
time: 5:21
